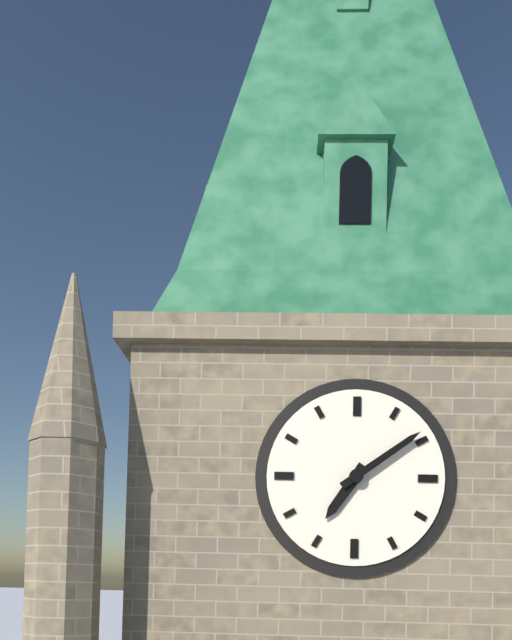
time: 7:09
